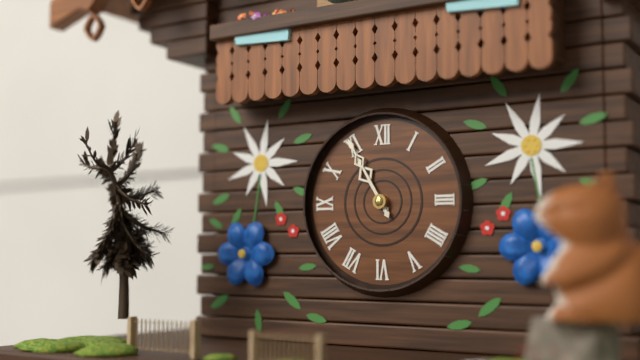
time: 10:55
